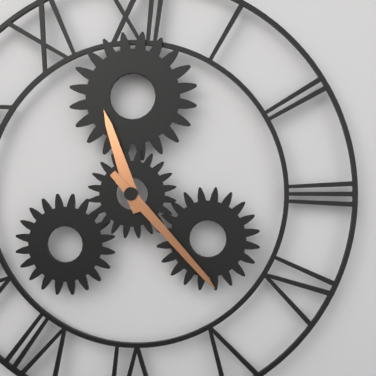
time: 11:23
